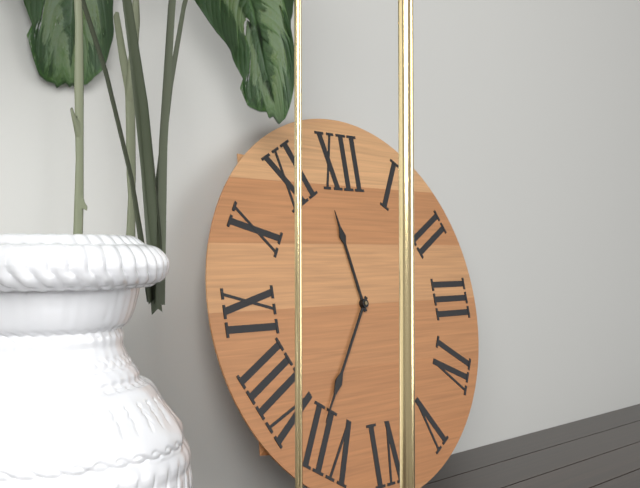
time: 11:36
